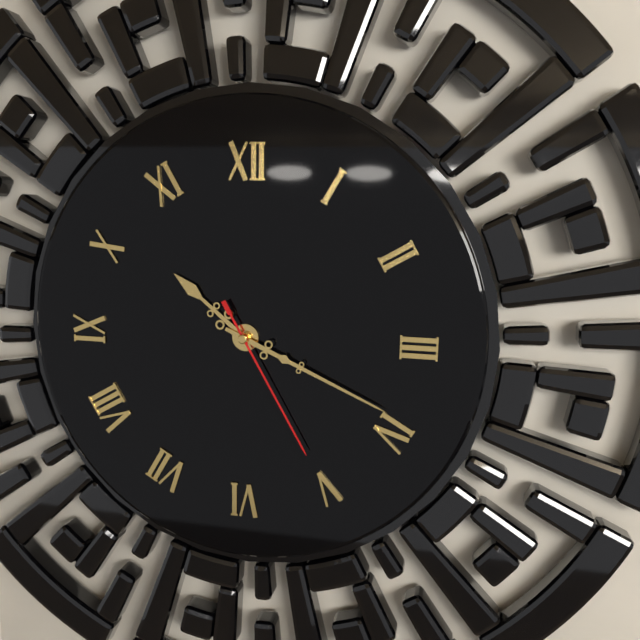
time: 10:19:25
